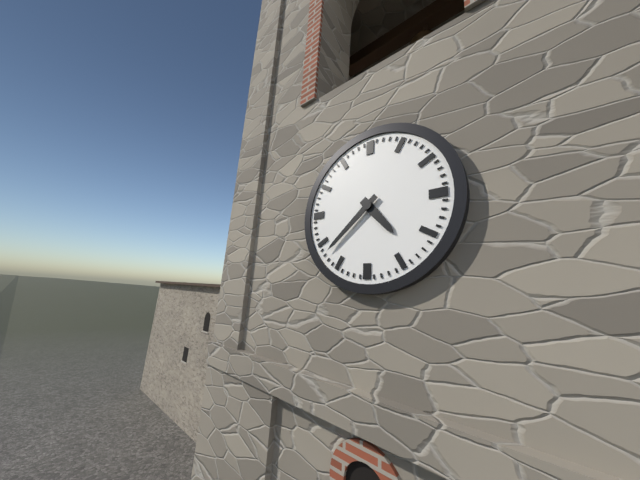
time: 4:38
